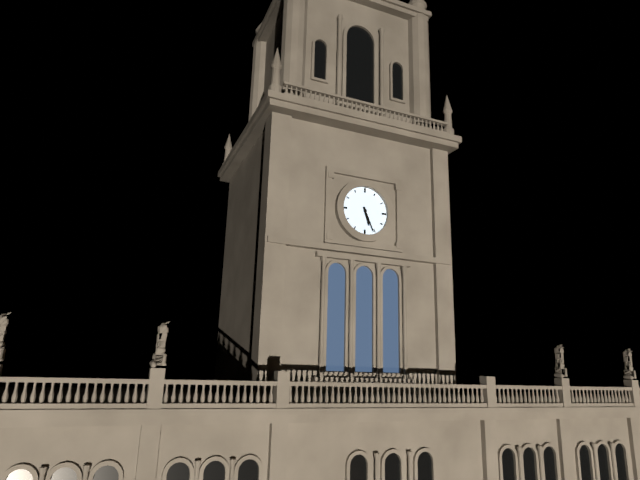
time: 5:26
